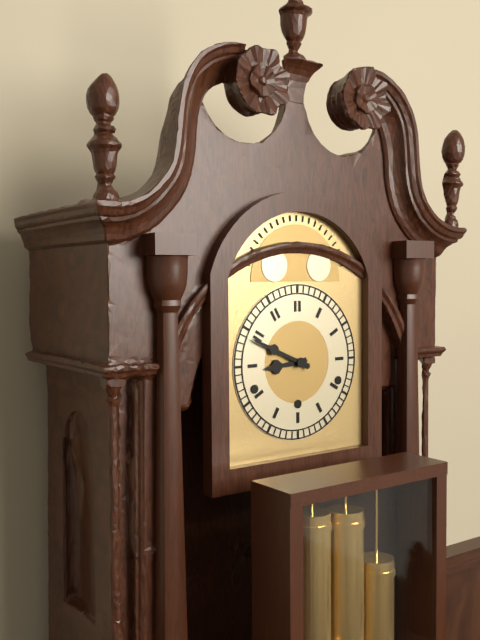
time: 8:49
